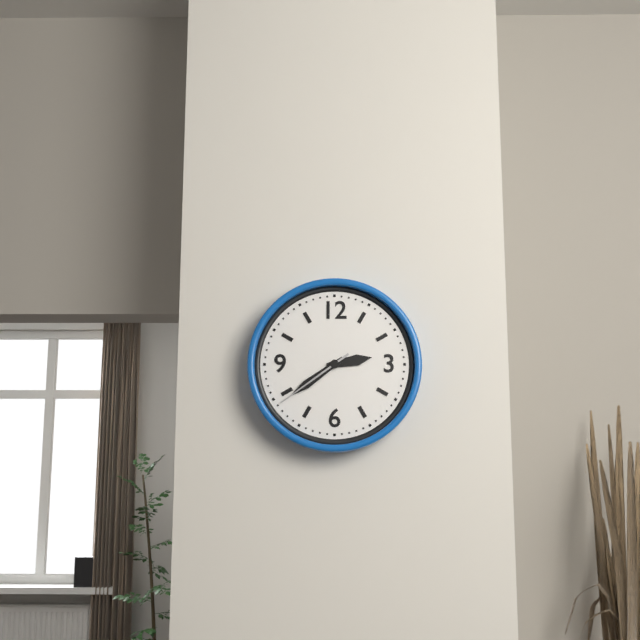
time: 2:39:39
